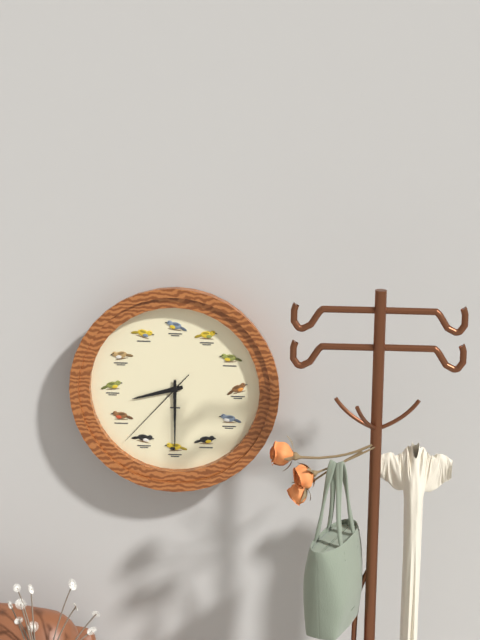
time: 8:30:37
